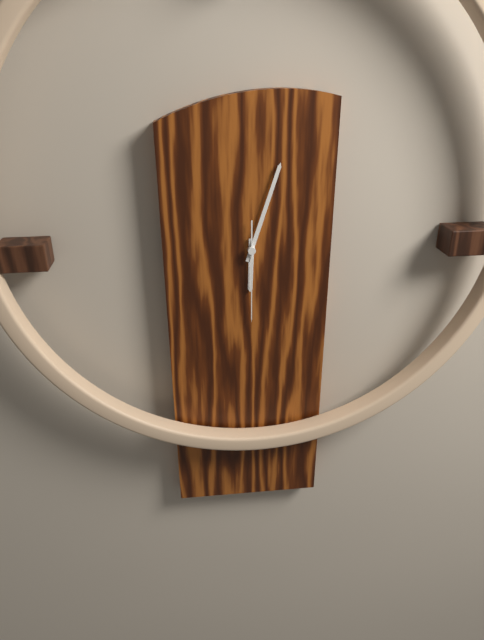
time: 6:03:30
